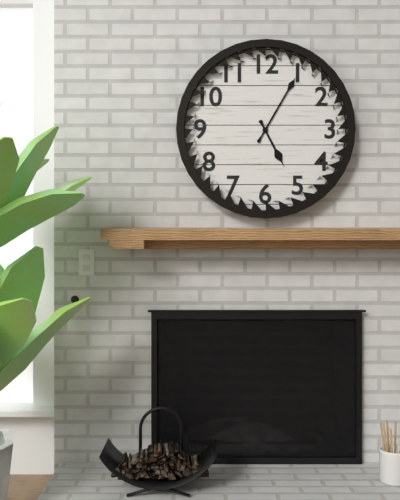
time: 5:05
